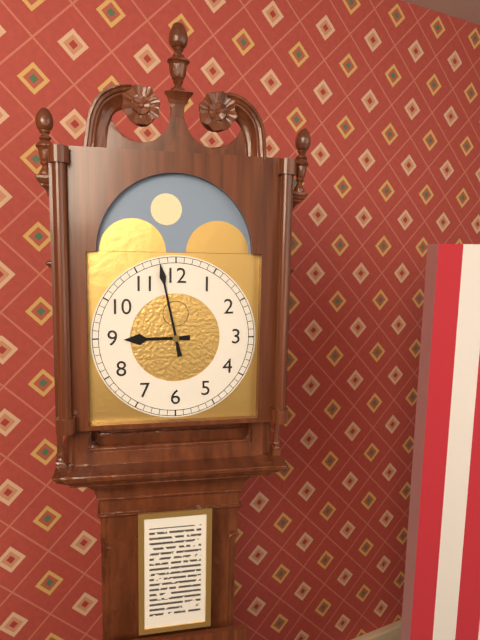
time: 8:58
